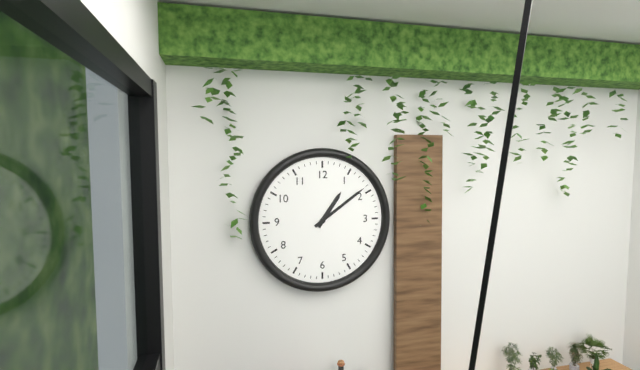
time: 1:09
